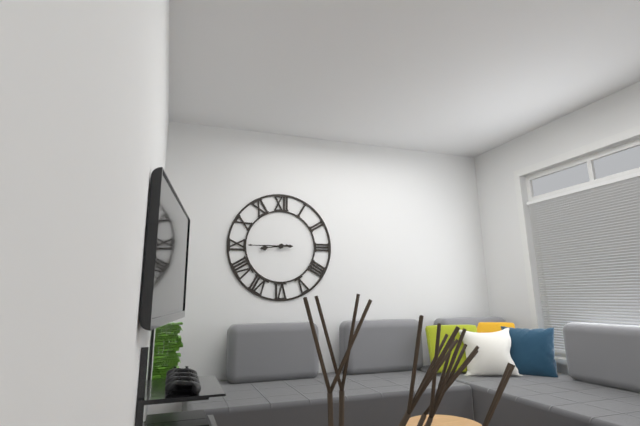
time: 8:45
